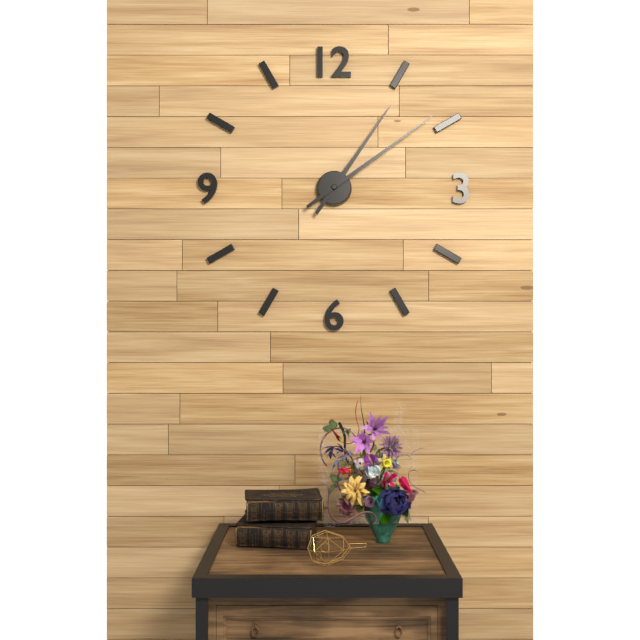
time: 1:09
